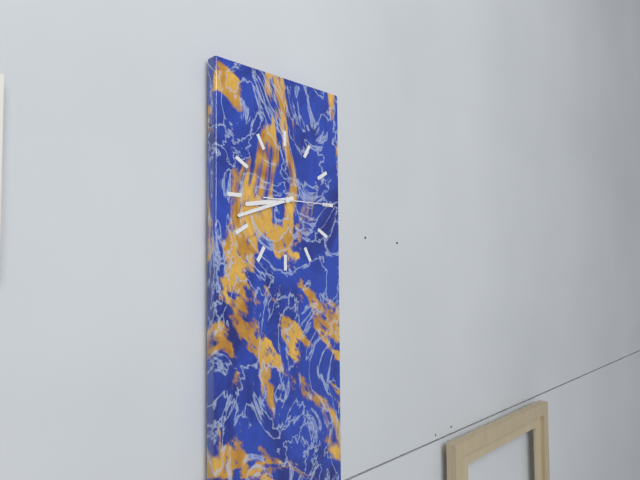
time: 8:42:15
